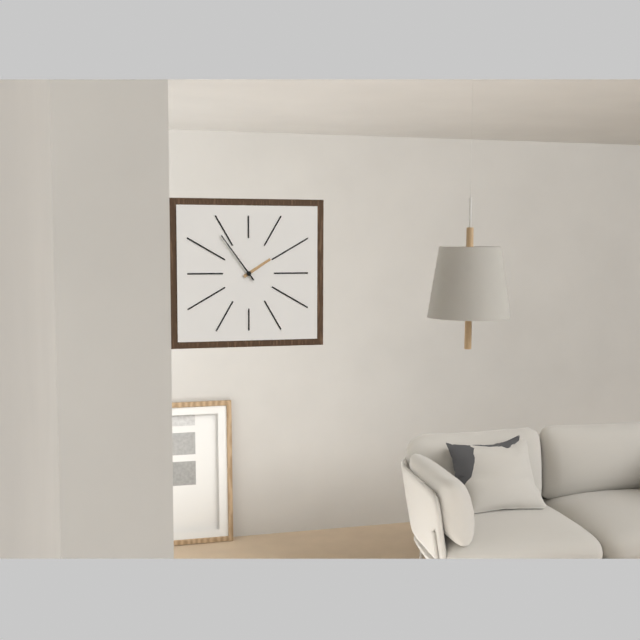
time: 1:54
